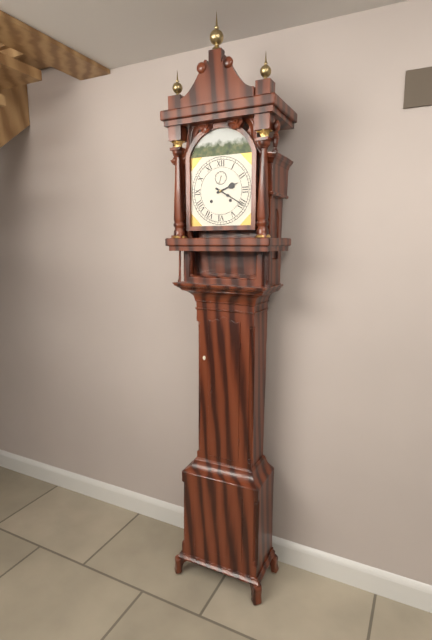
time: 2:20
